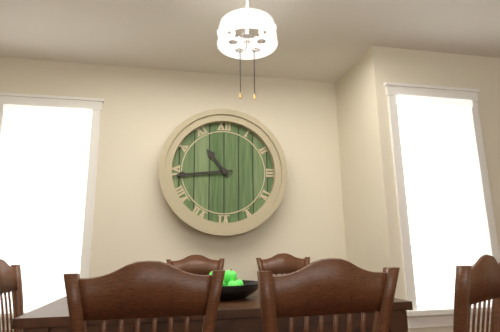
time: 10:44
